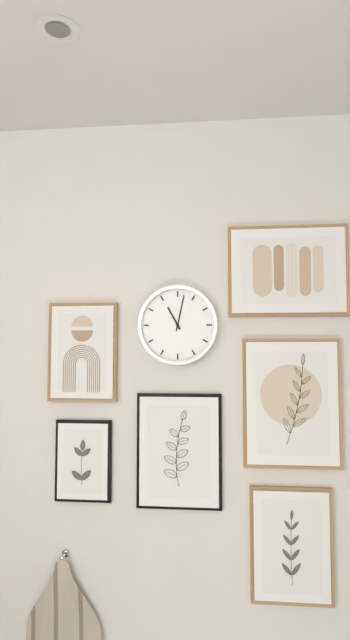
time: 11:02
